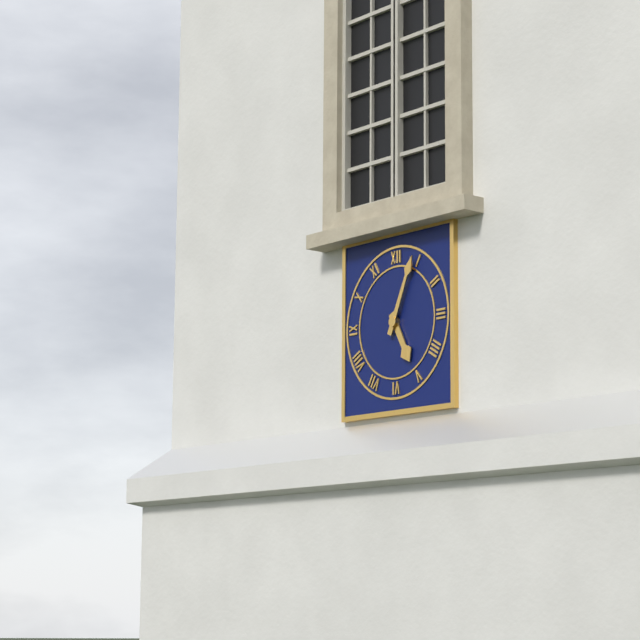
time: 5:04
